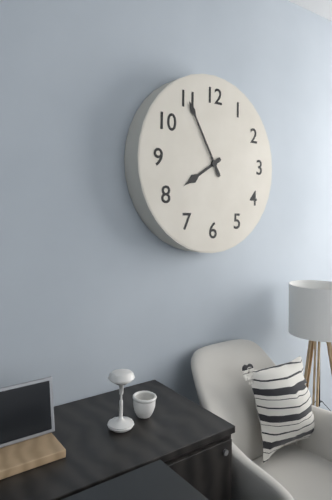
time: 7:55
